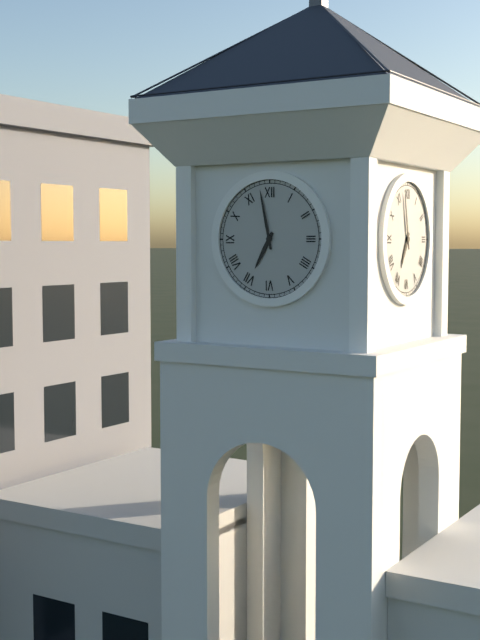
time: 6:58
